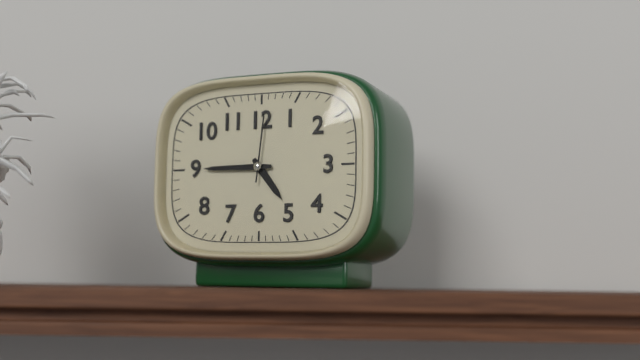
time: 4:45:01
